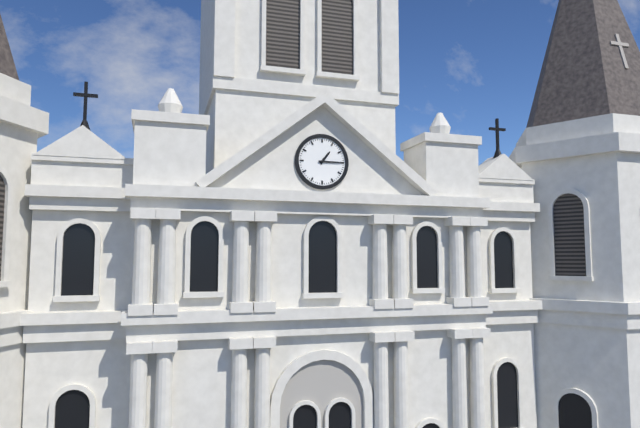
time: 1:15
